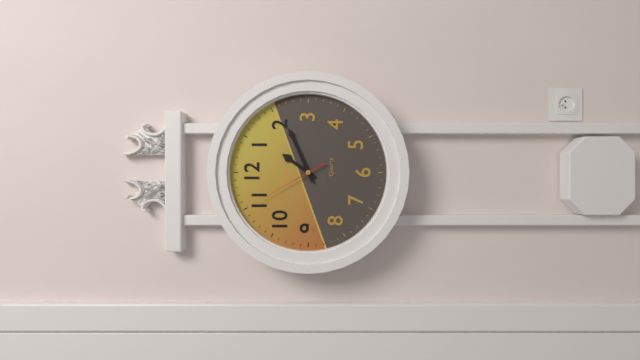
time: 1:11:55
